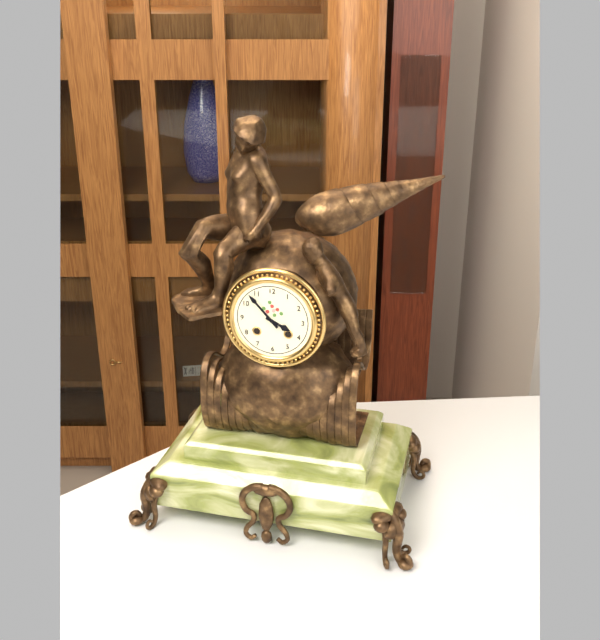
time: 3:53
